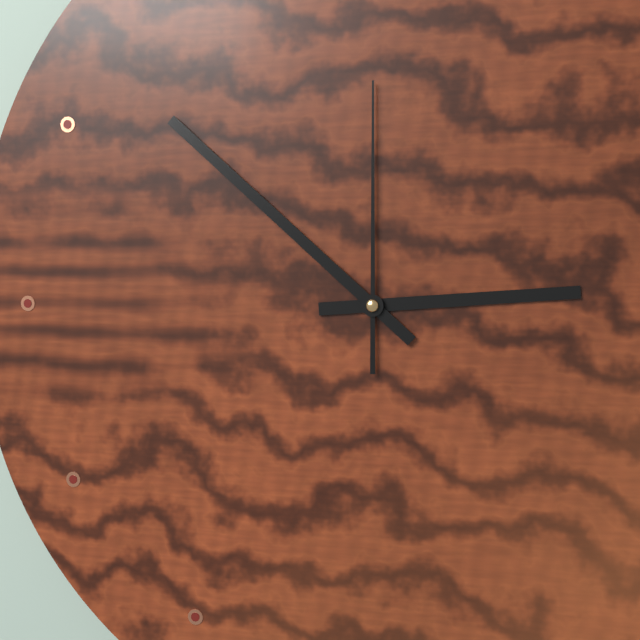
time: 2:52:00
